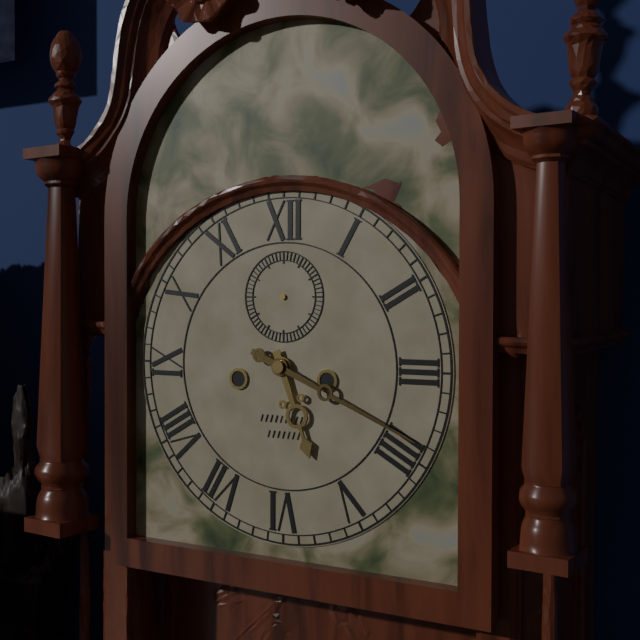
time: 5:19
